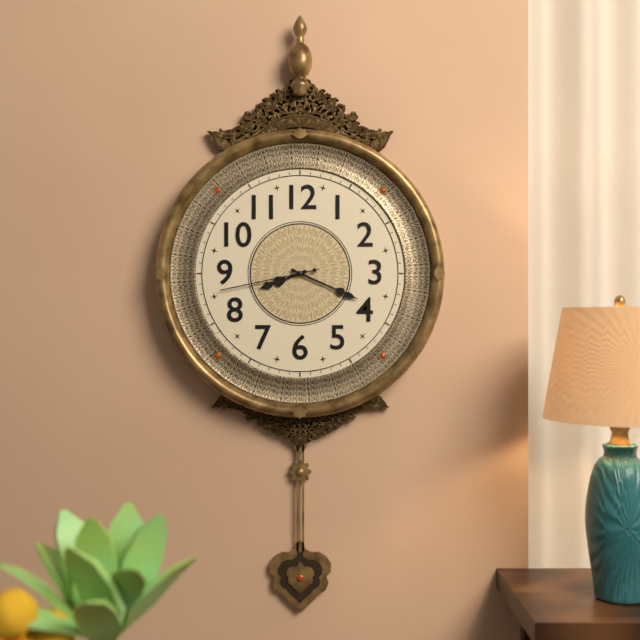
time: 8:19:43
